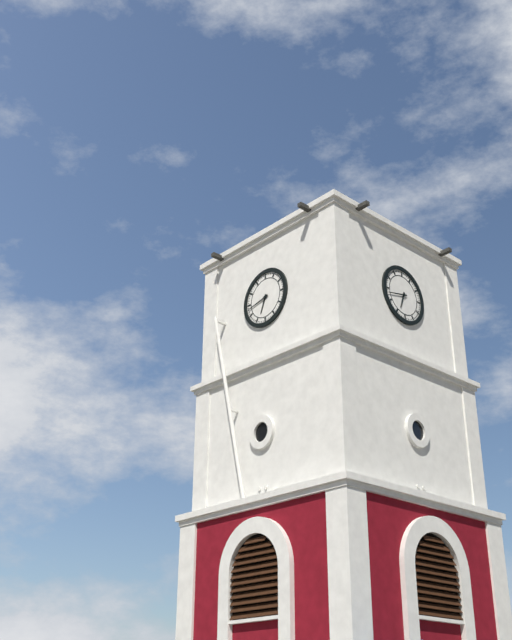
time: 6:43
